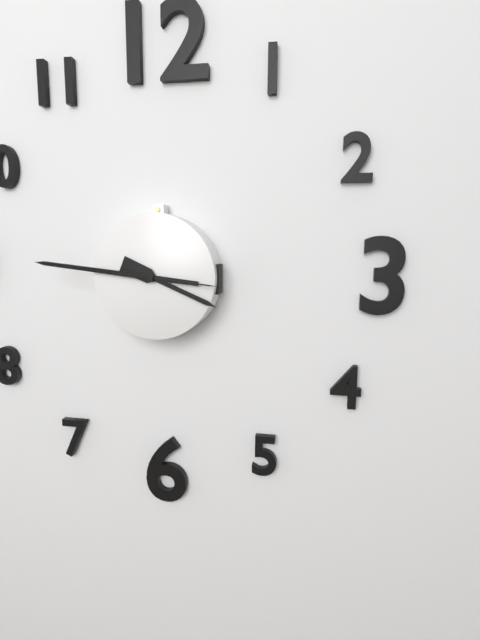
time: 3:46:16
